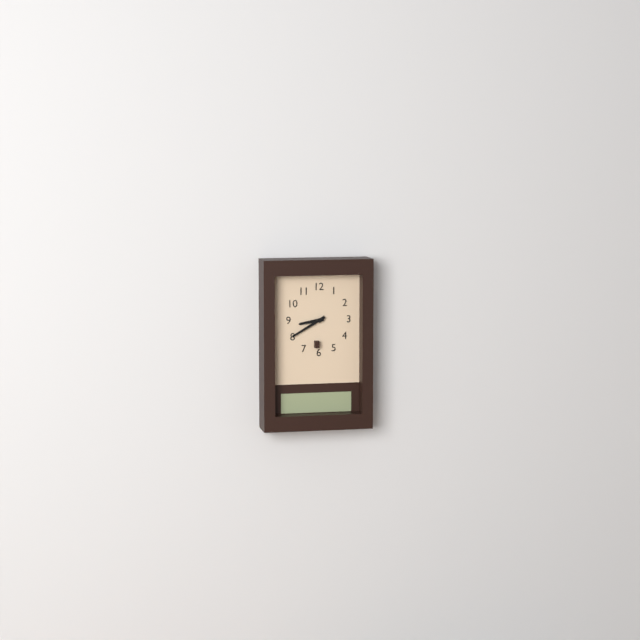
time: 8:40
